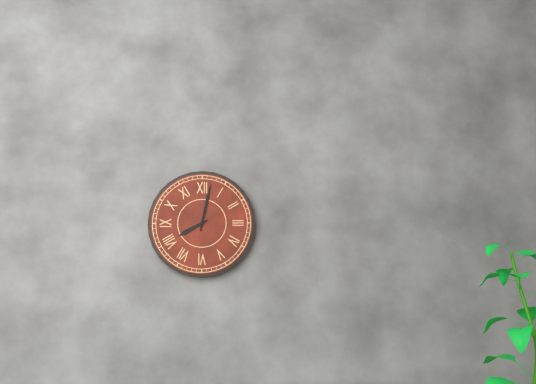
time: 8:02
